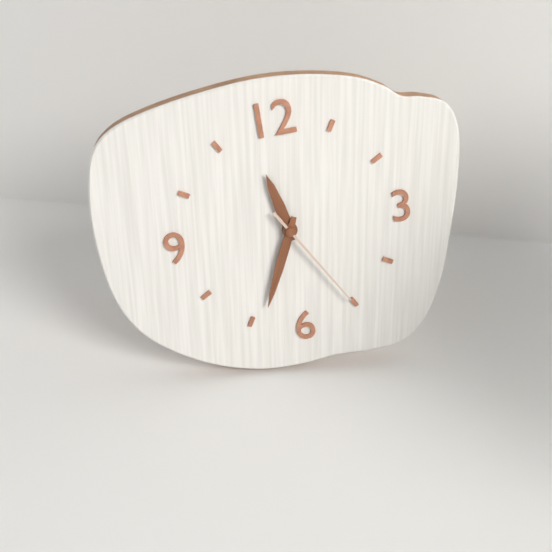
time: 11:34:25
